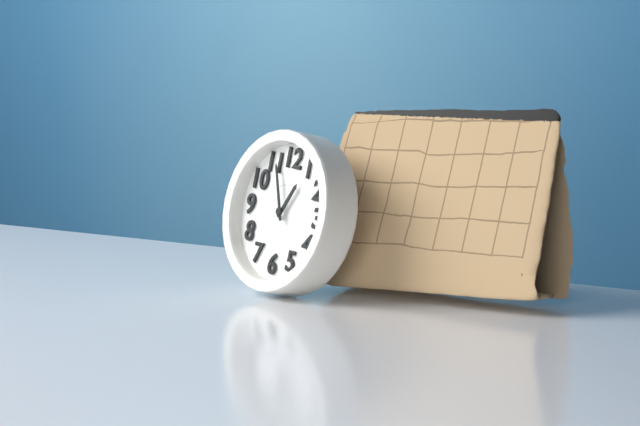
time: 12:56
